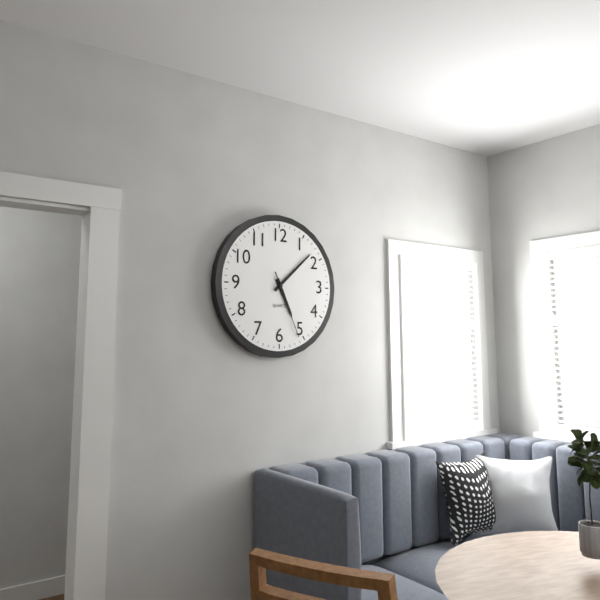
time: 5:08:26
